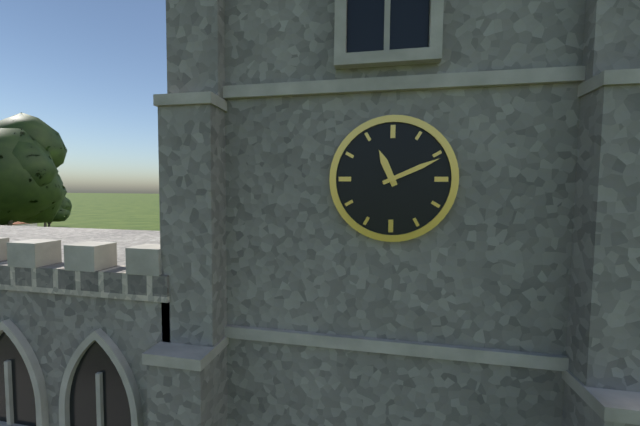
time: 11:11
